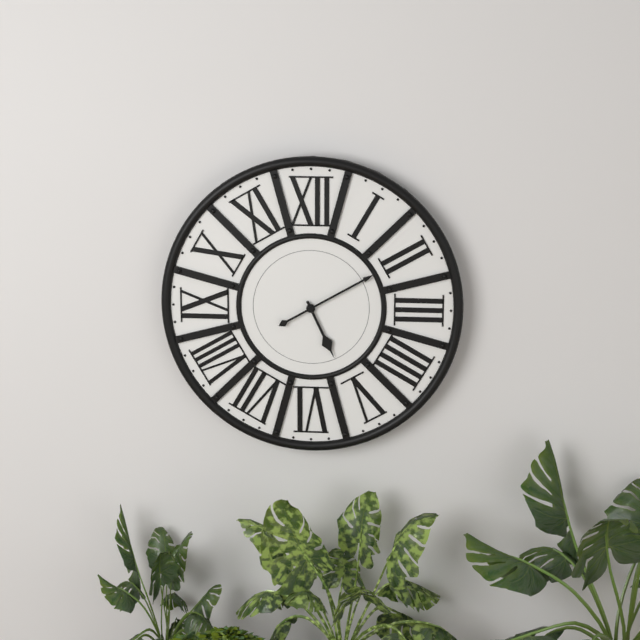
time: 5:10
